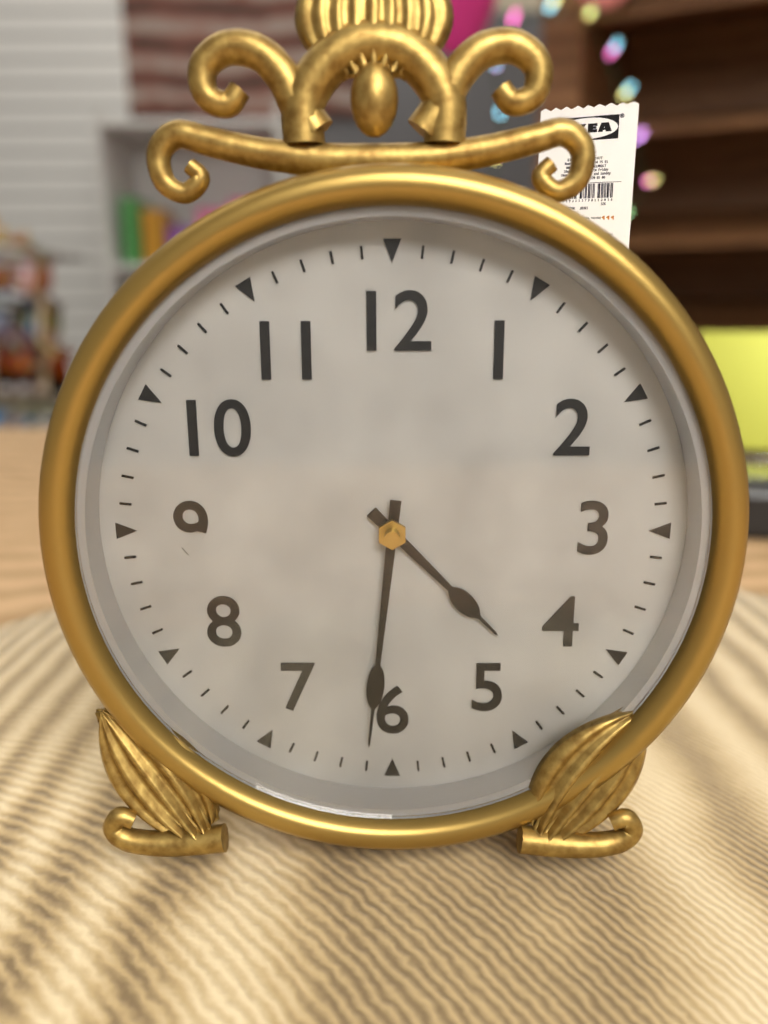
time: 4:31
